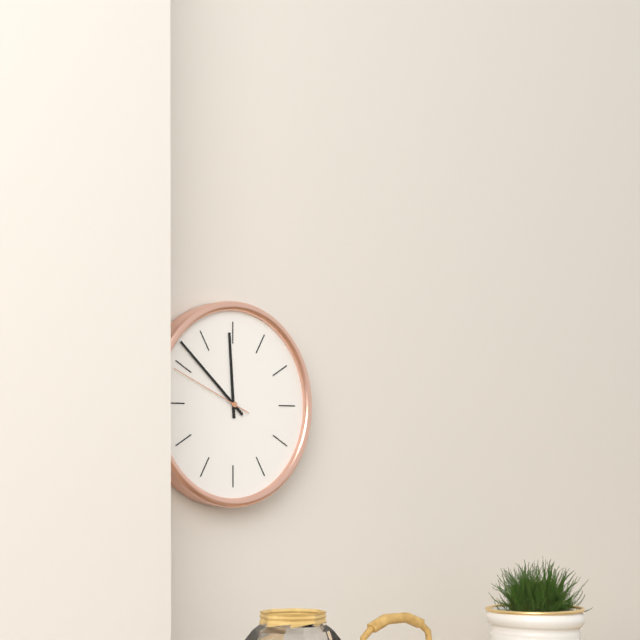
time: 11:52:49
